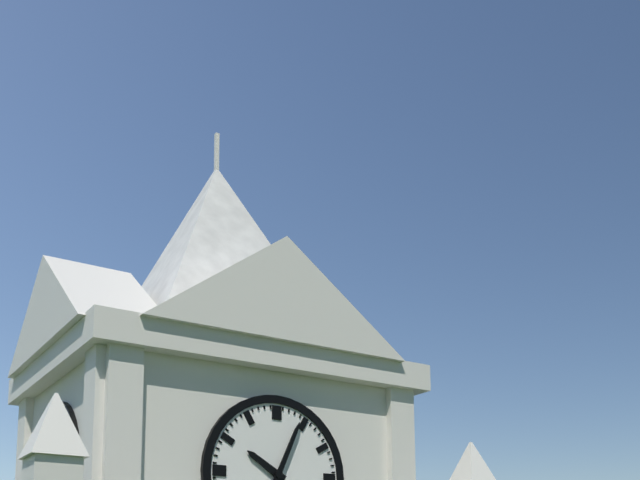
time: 10:04
